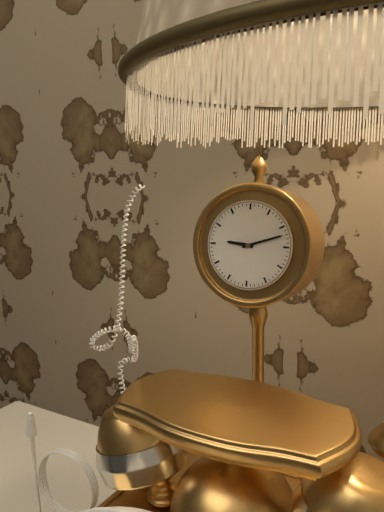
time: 9:12
